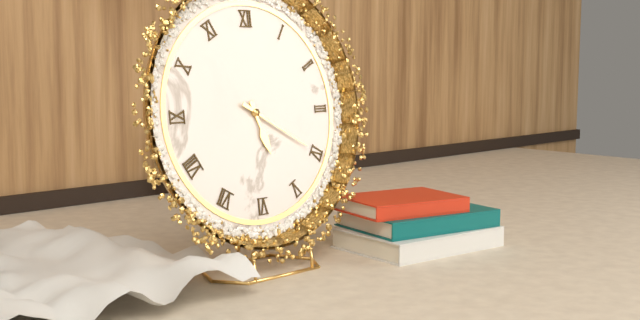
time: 5:20
